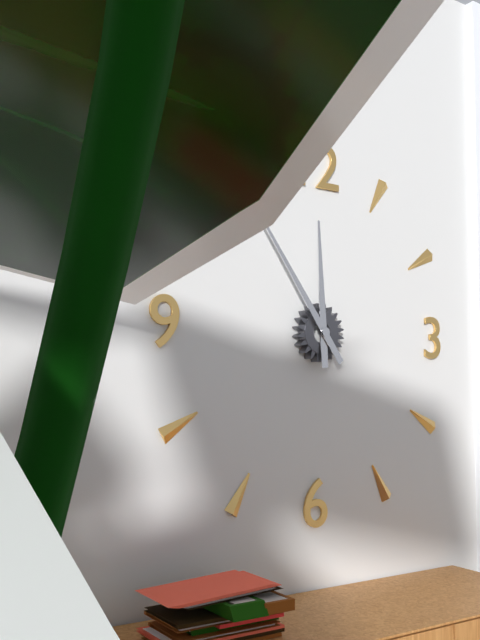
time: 11:54
